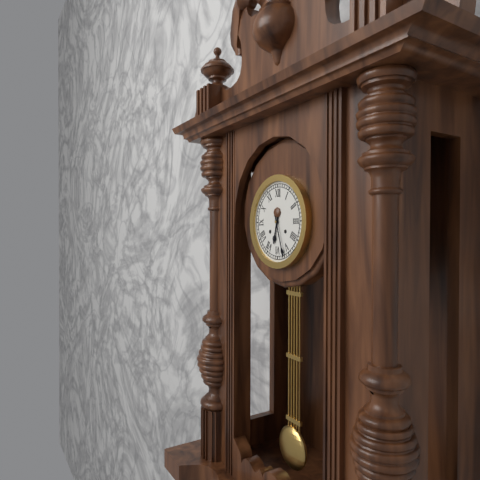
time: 6:27
